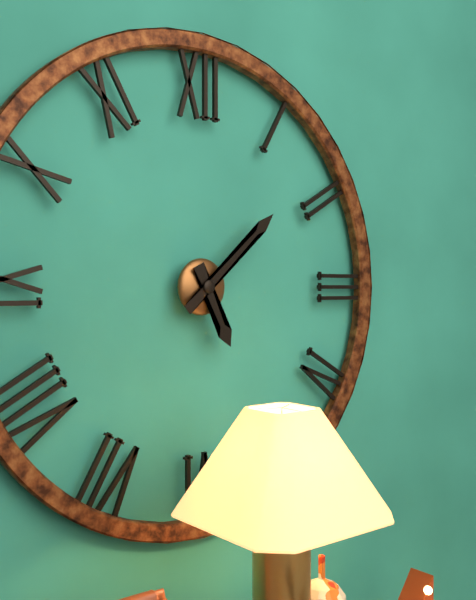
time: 5:08
